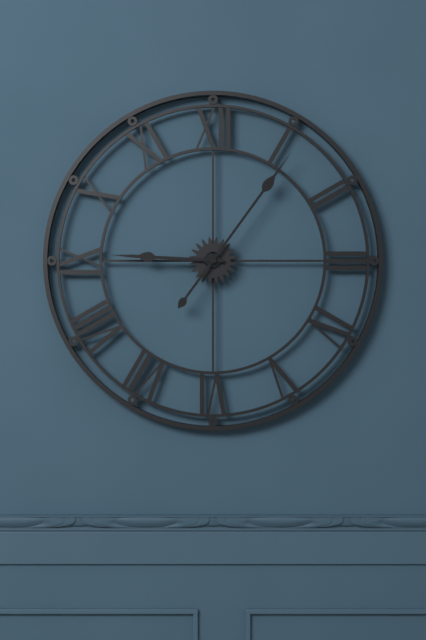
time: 9:06
